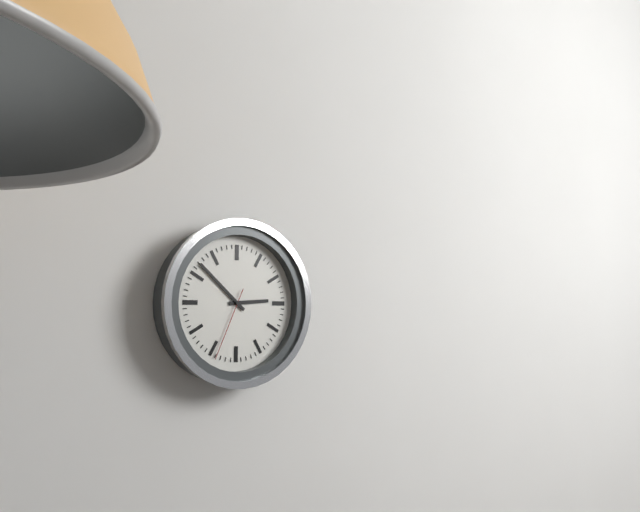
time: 2:52:34
